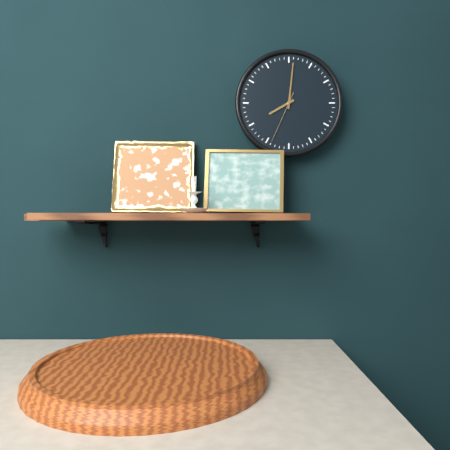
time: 8:01
